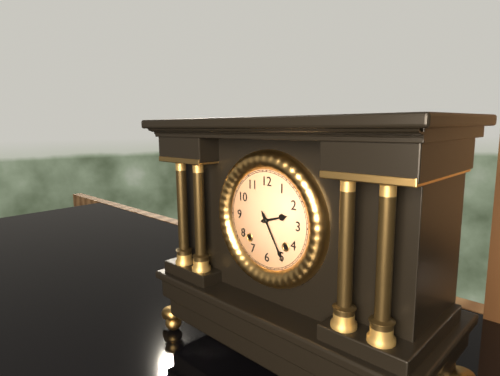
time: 2:25
